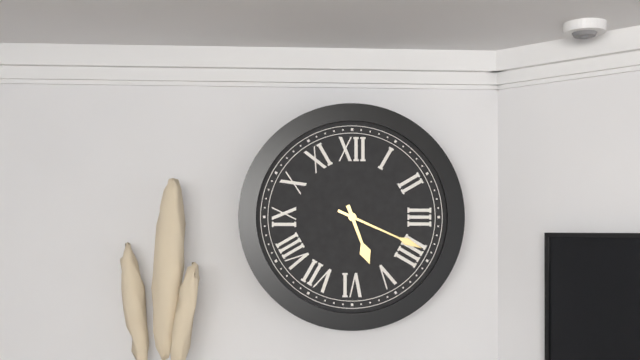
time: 5:19
